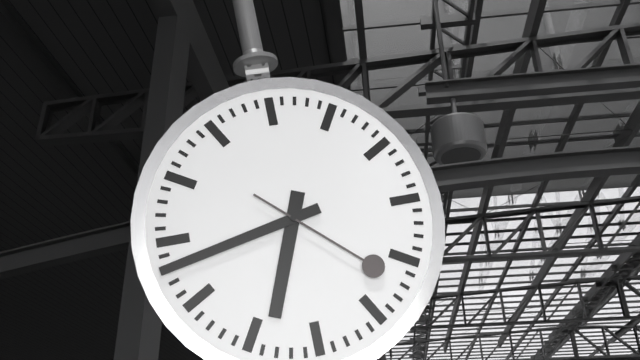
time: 6:43:22
